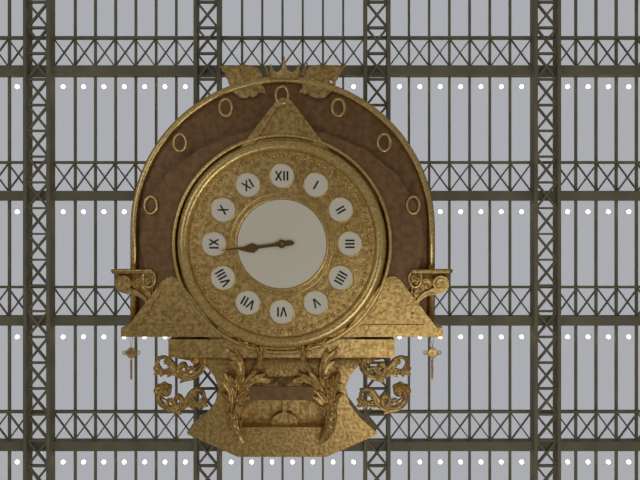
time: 8:44
